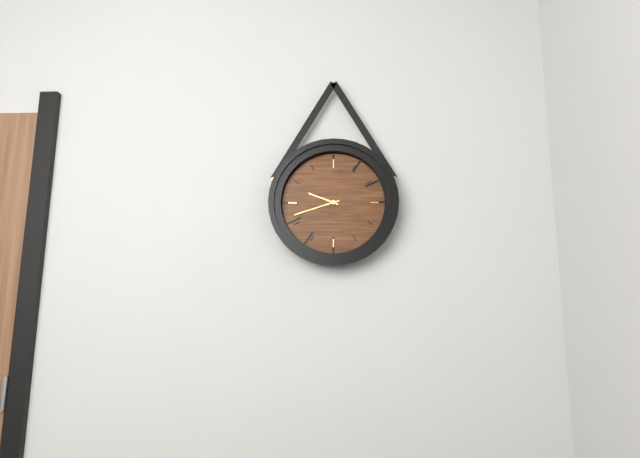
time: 9:42
